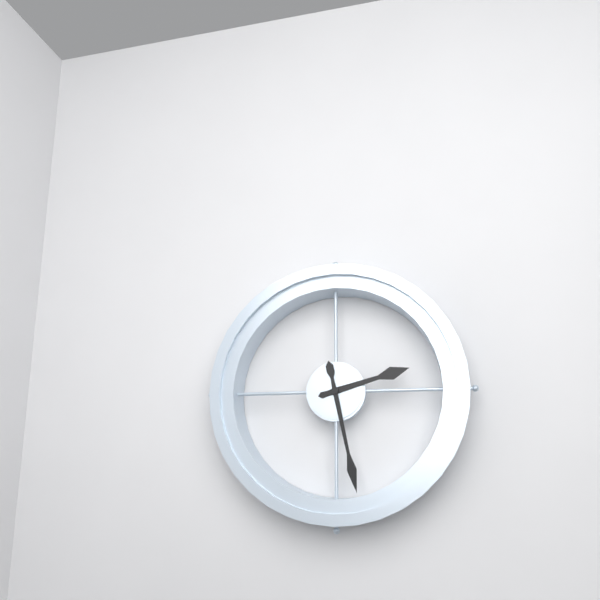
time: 2:28
